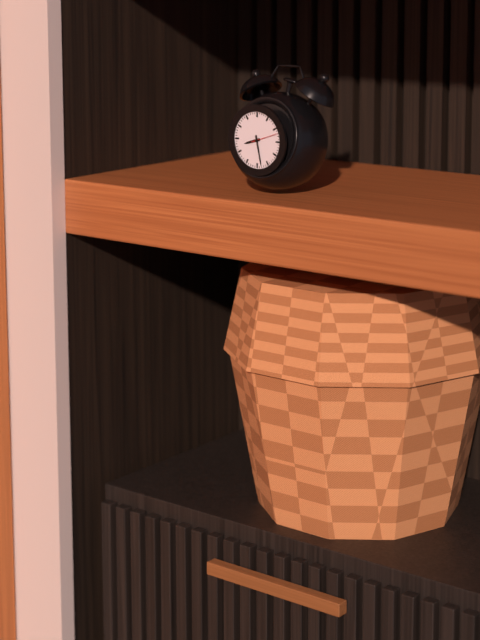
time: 8:28
